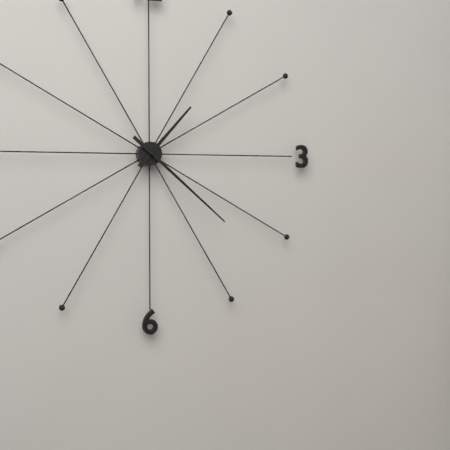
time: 1:22
